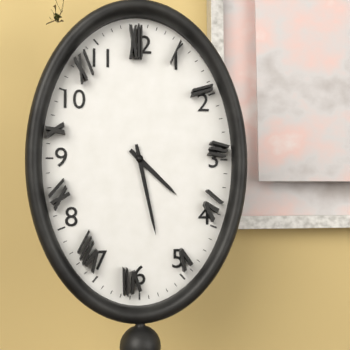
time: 4:28
